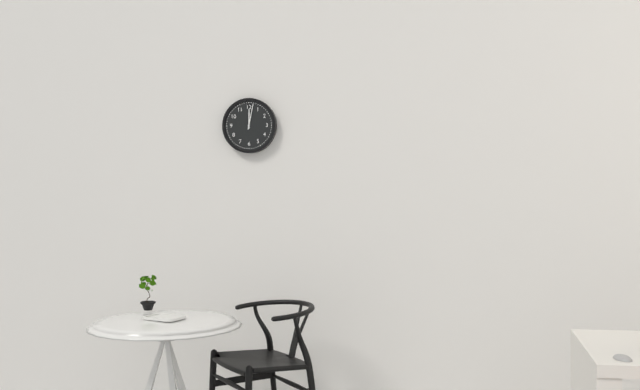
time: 12:02
